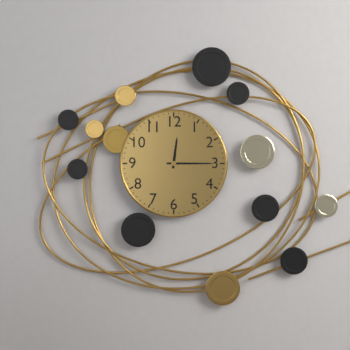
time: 12:15
